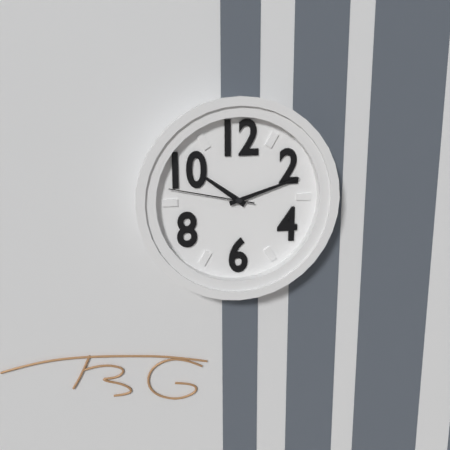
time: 10:12:47
